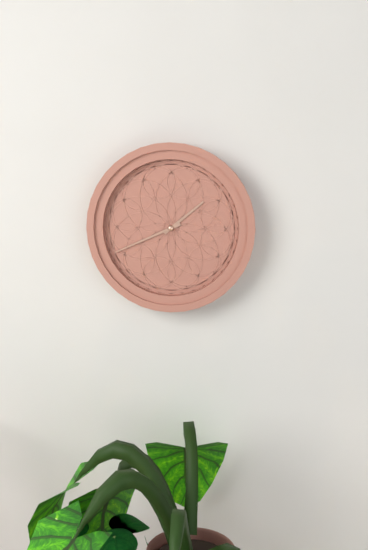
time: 1:41
